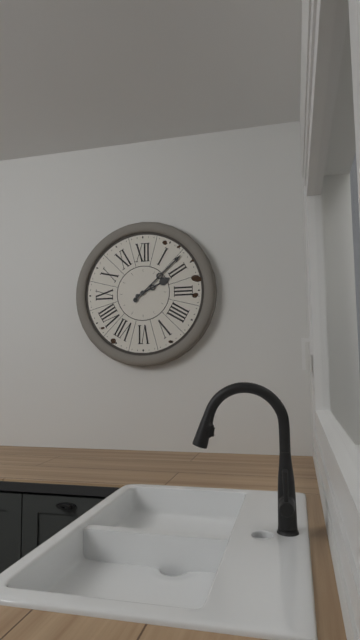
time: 2:08
